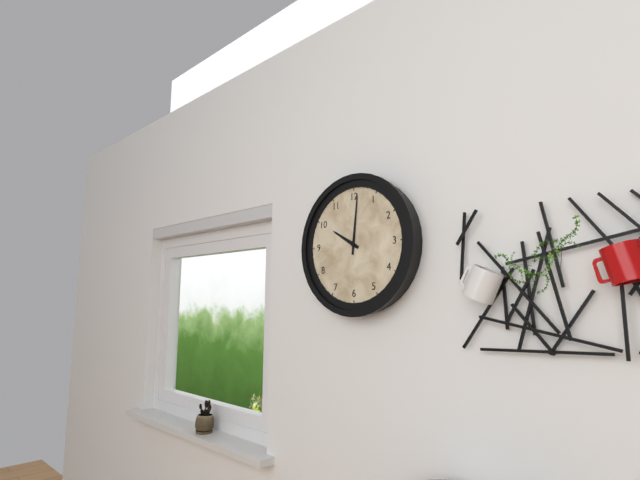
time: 10:01
